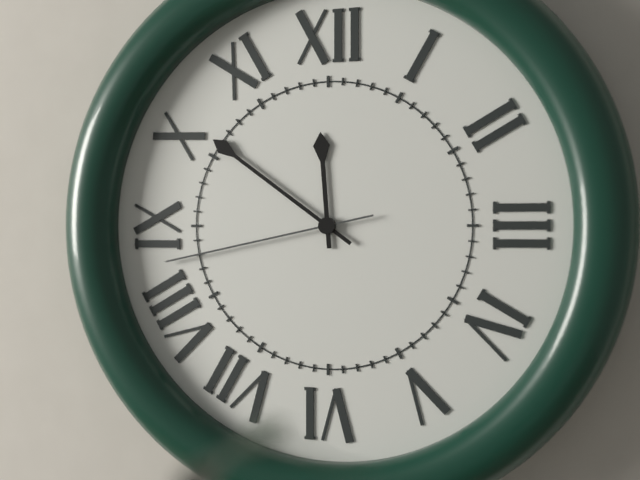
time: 11:51:43
